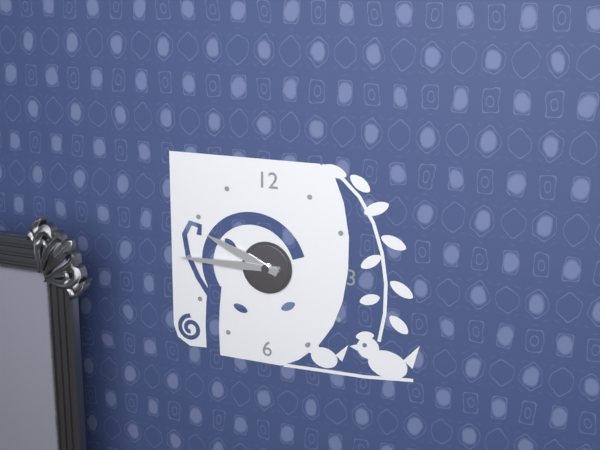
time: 9:45
